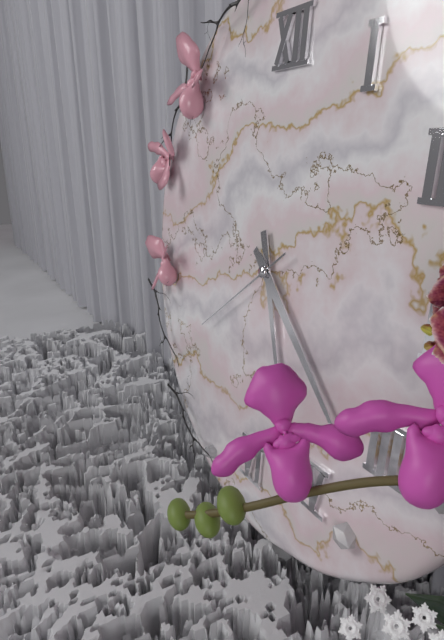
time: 5:22:39
